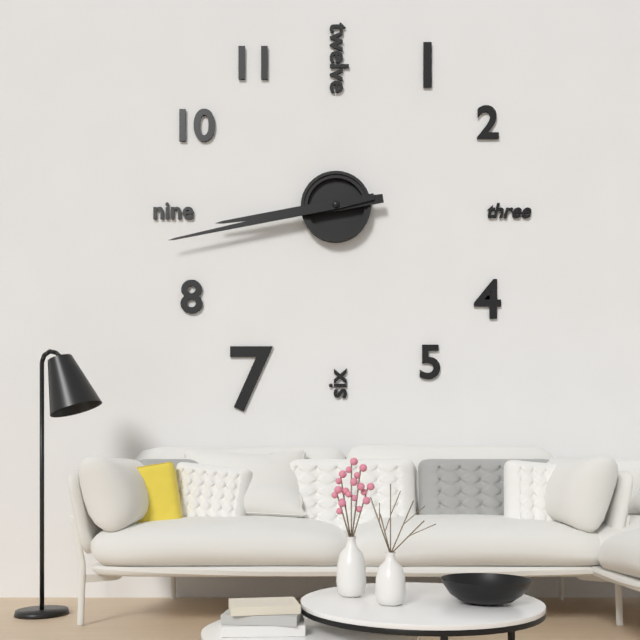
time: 8:43
